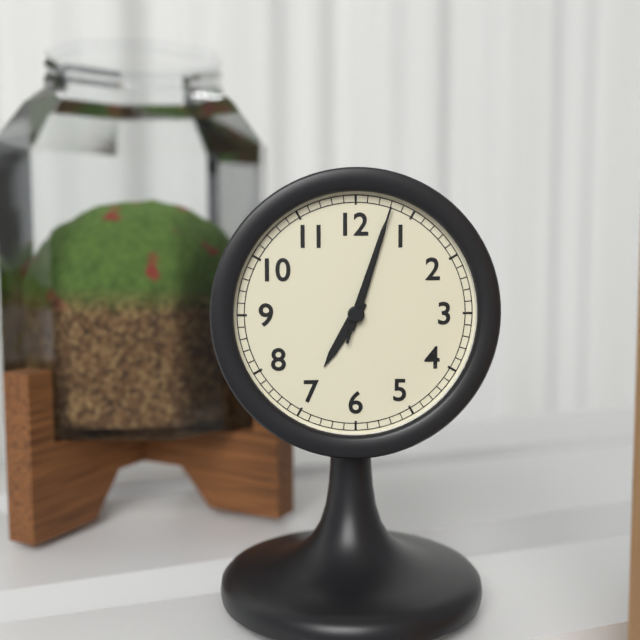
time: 7:03:03
